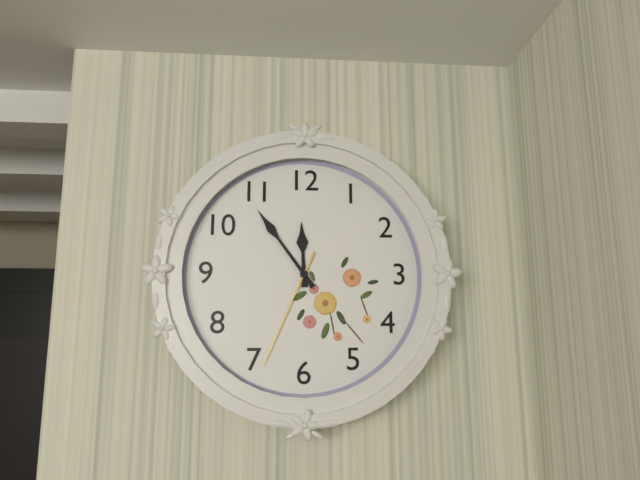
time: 11:54:34
